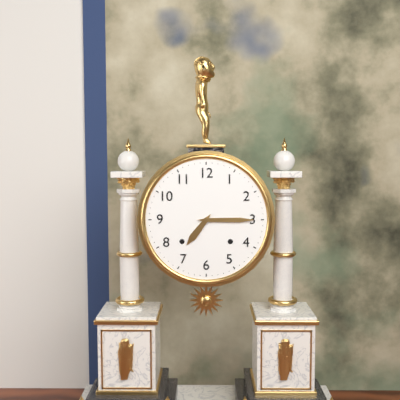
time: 7:15
